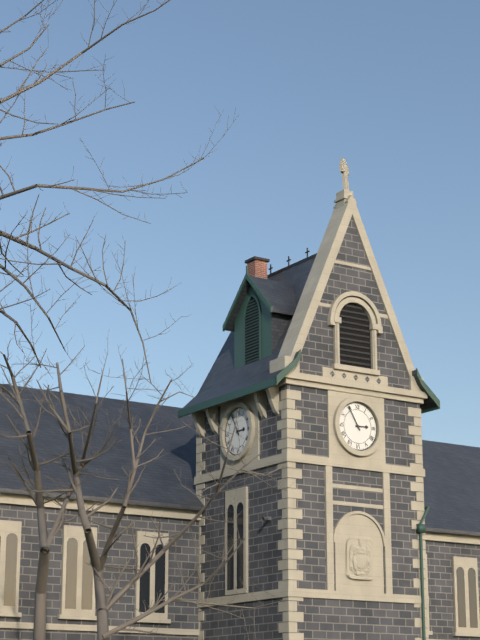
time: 2:55
